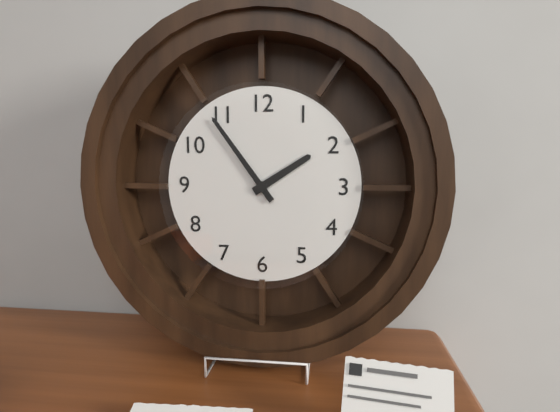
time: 1:54
